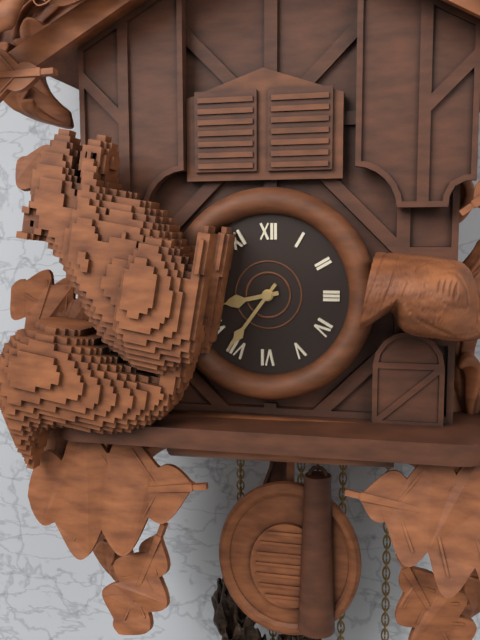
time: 8:36
